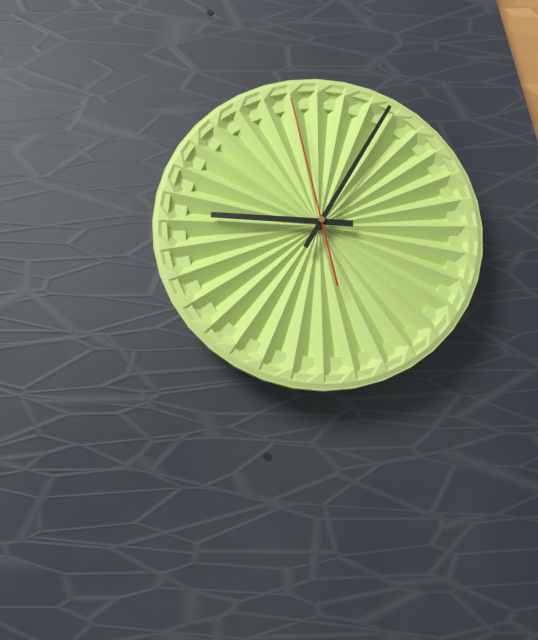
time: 9:05:58
